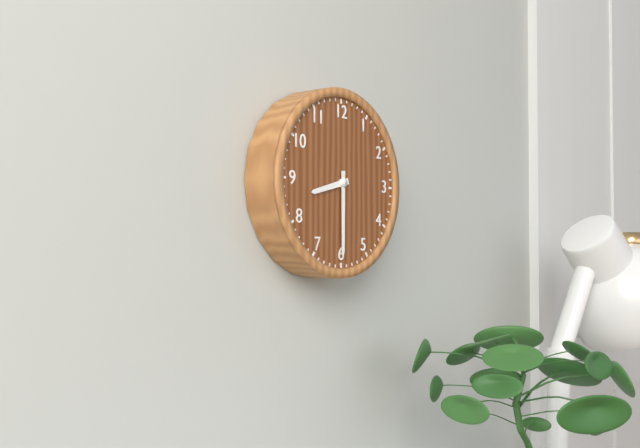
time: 8:30
